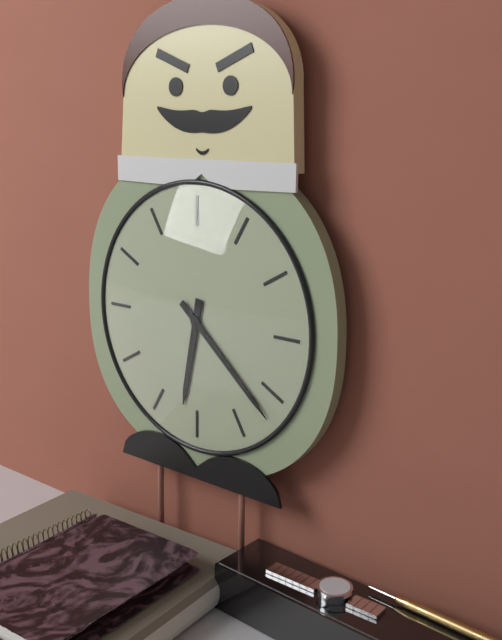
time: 6:22
